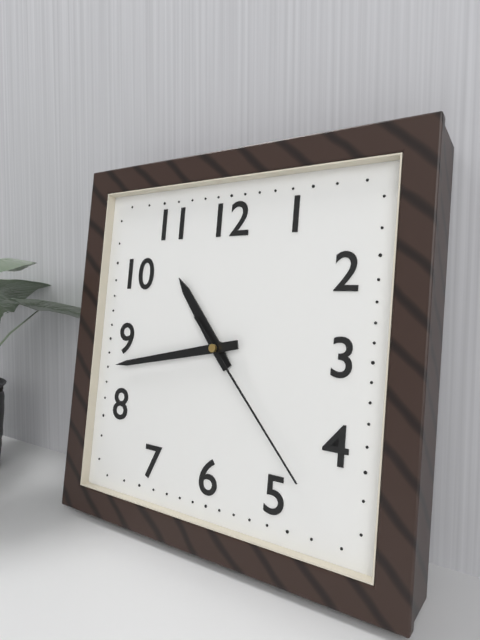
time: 10:43:23
